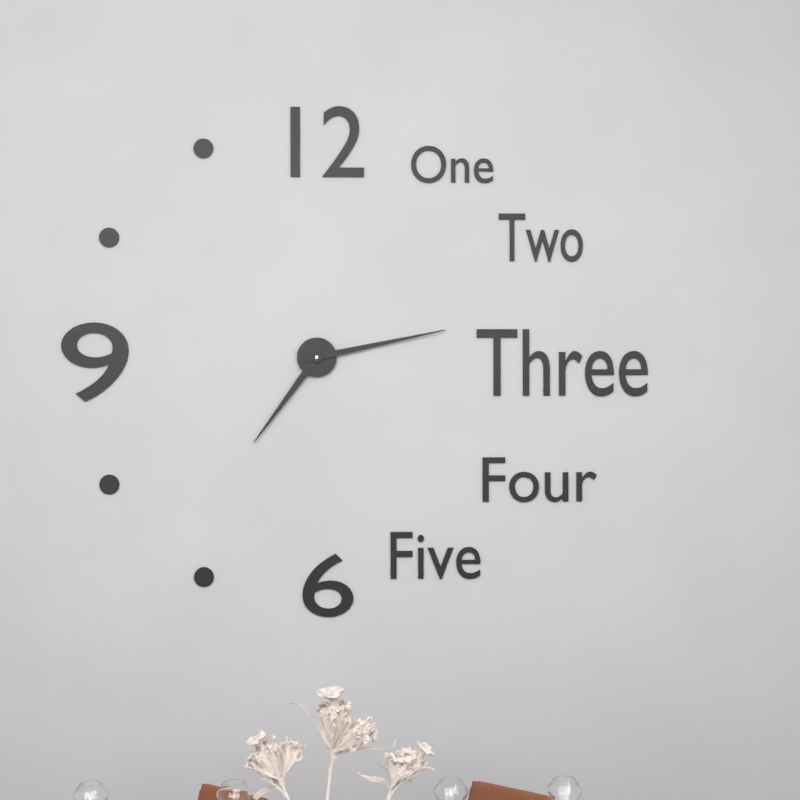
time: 7:13
